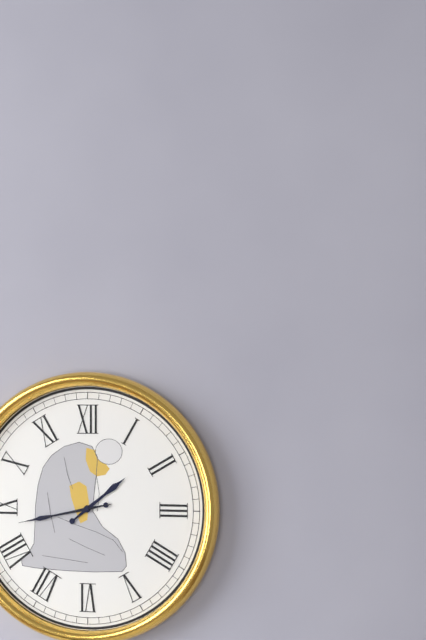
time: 1:43:43
